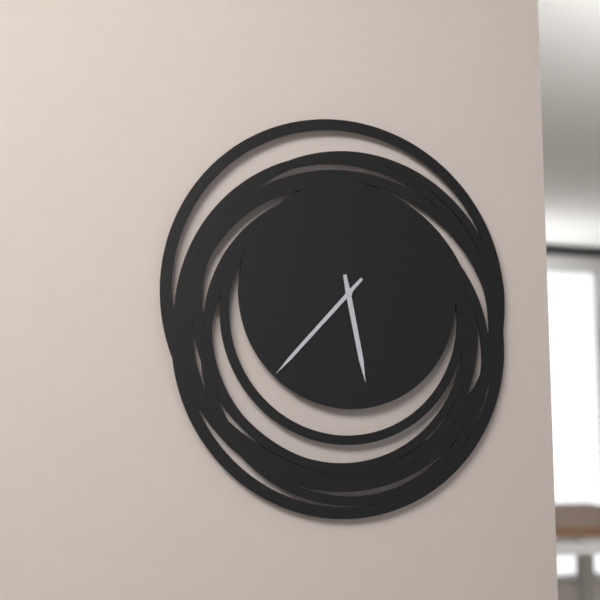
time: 5:37
